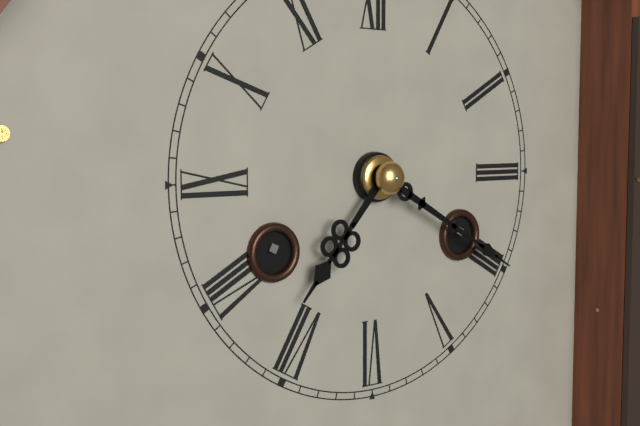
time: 7:20
